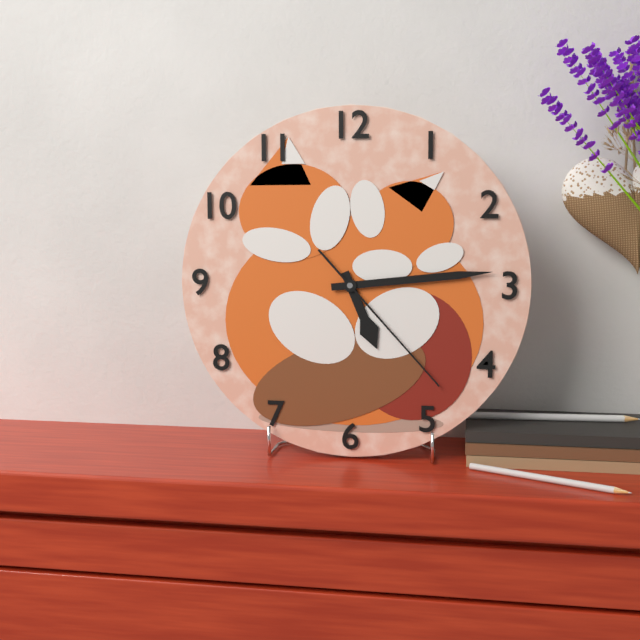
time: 5:14:23
